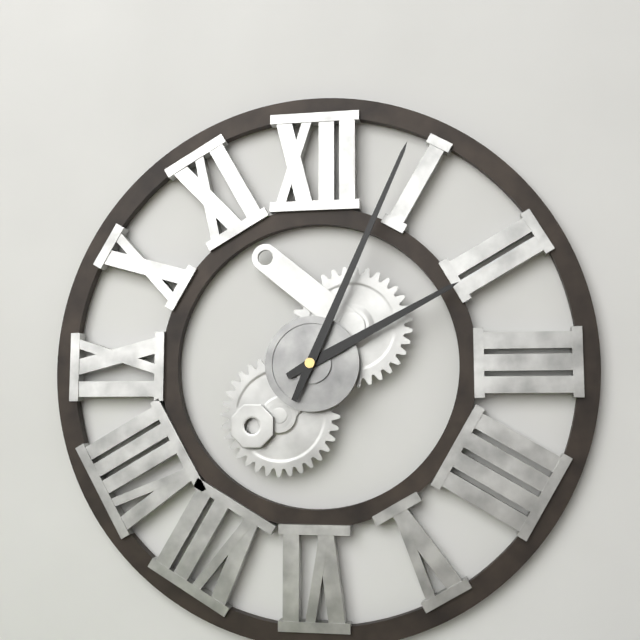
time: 2:04
